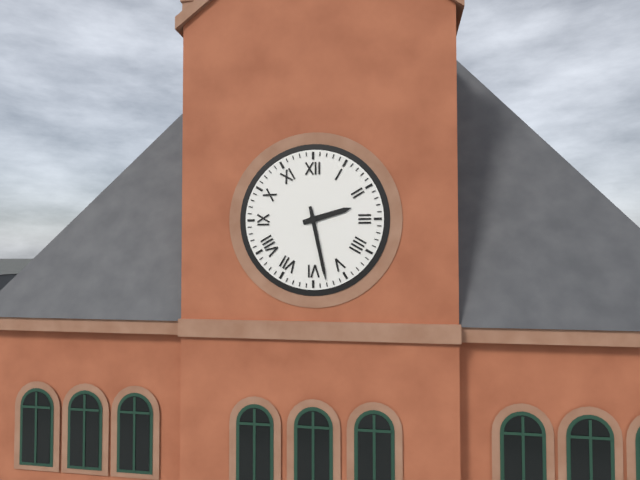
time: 2:28
